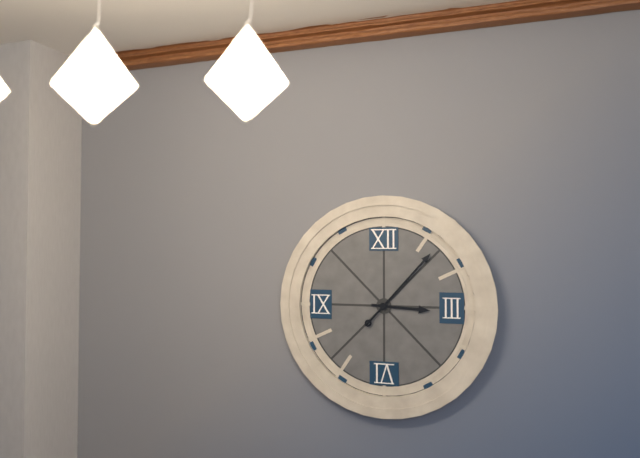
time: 3:07
